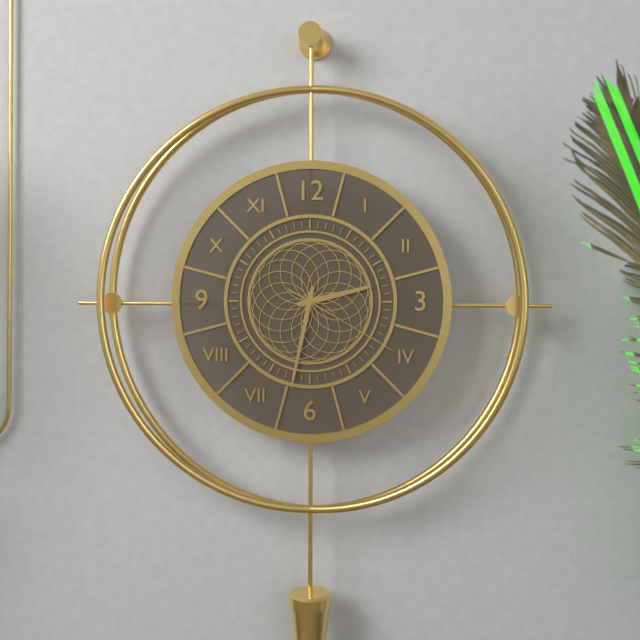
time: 2:32:20
